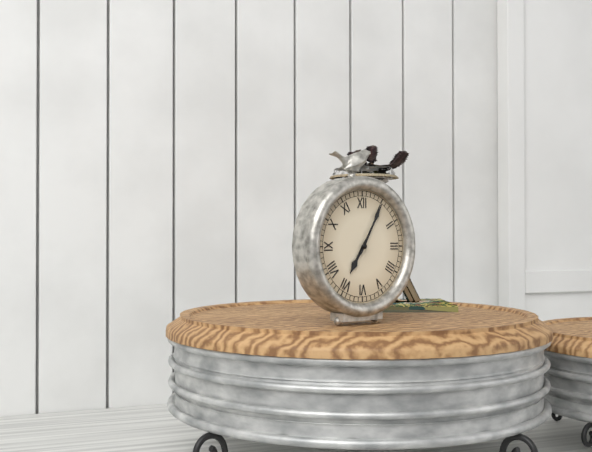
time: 7:05
